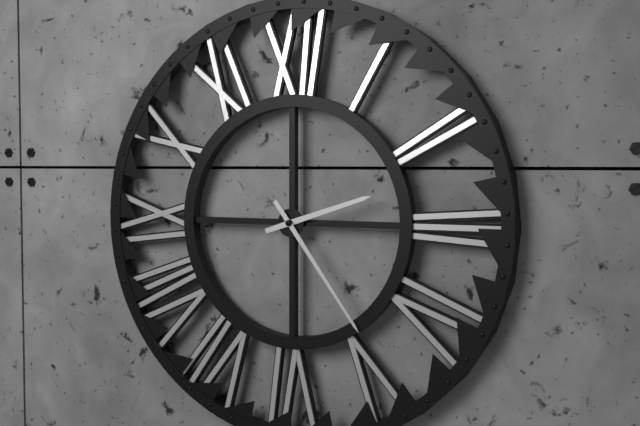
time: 2:24
